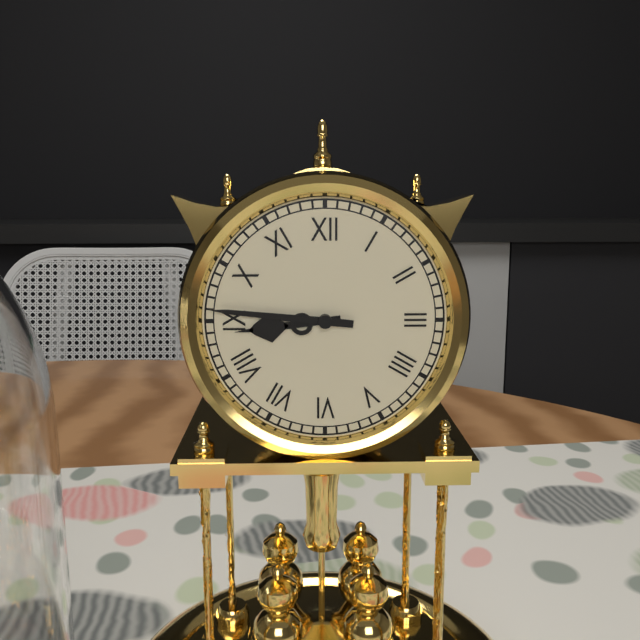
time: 8:46
